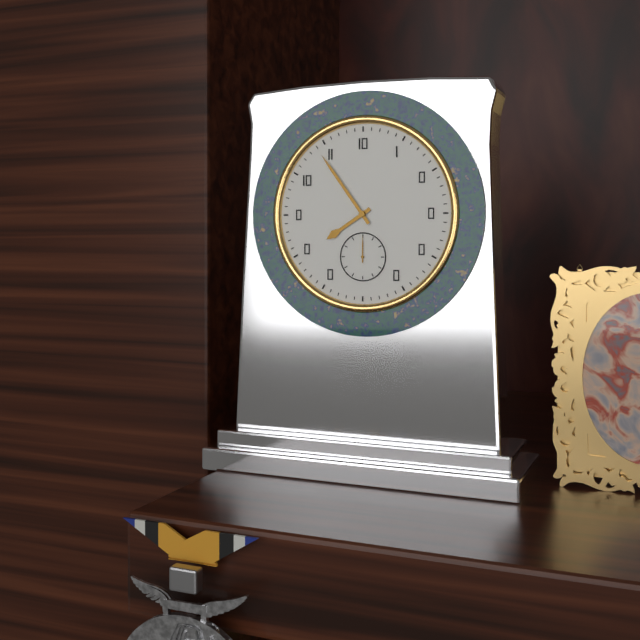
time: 7:54
